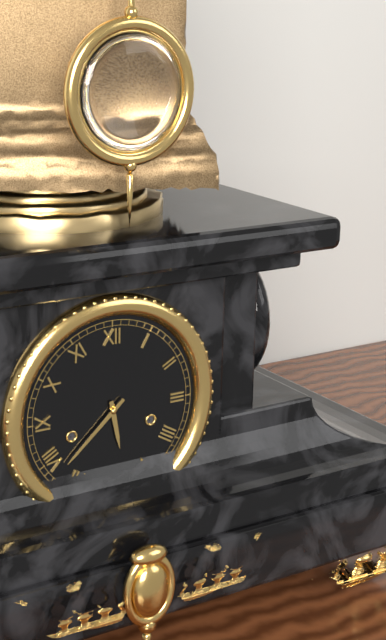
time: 5:38
